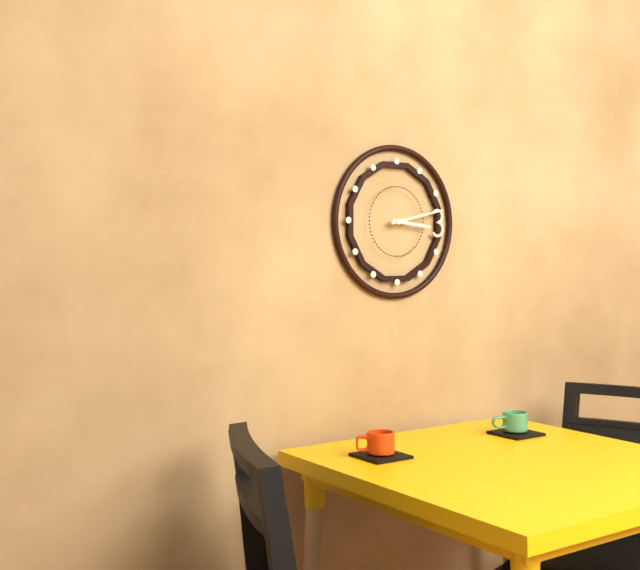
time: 3:13
